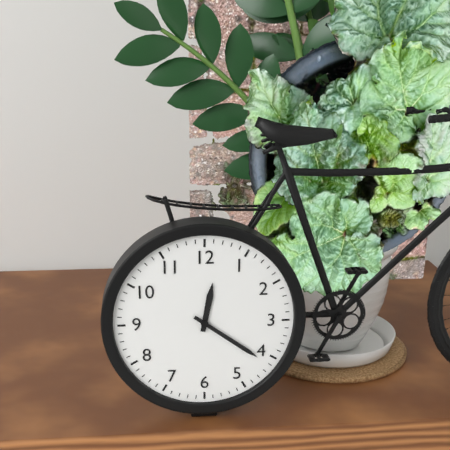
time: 12:21
